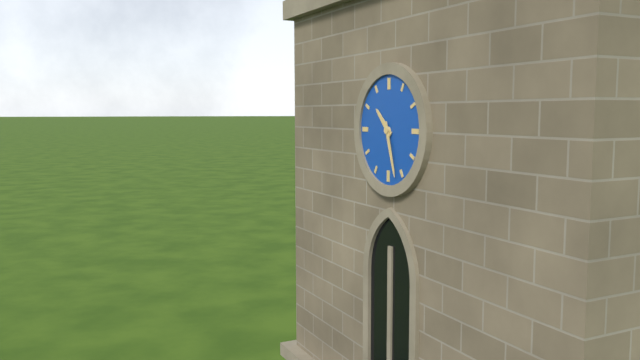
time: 10:27
